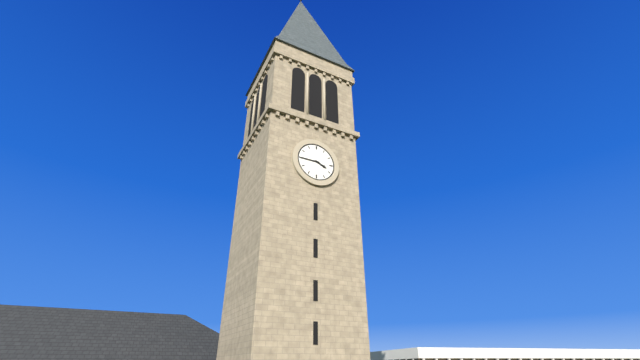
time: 3:45
